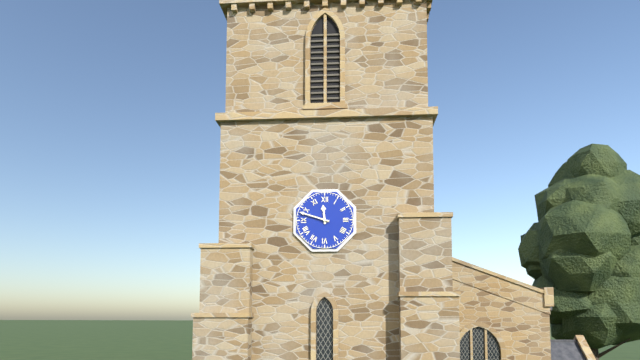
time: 11:48
